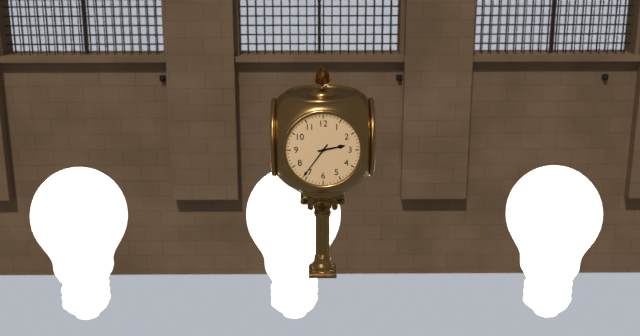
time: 2:36
